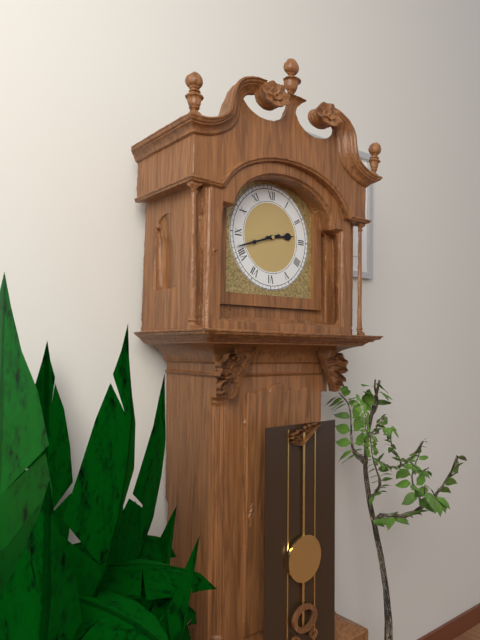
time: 2:42
